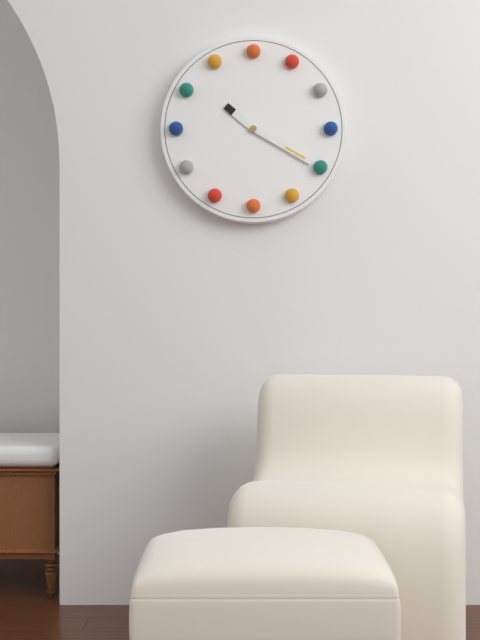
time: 10:20
